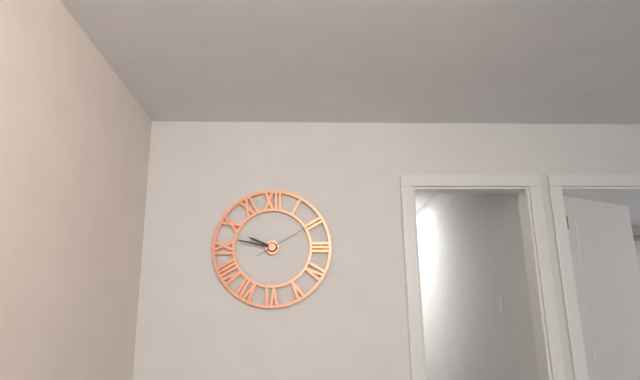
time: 9:47:10
